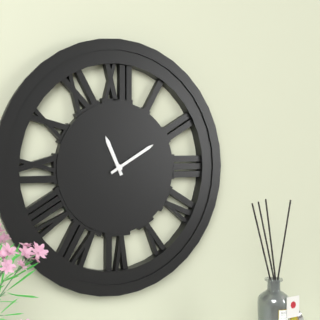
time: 11:10
